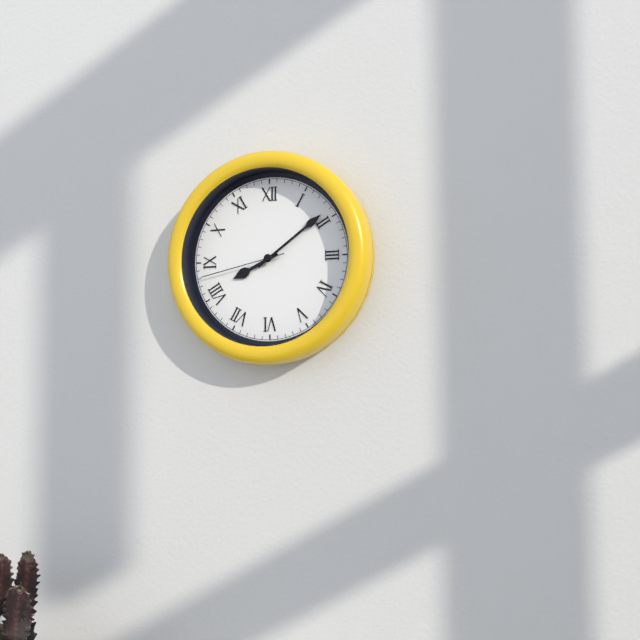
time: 8:09:43
